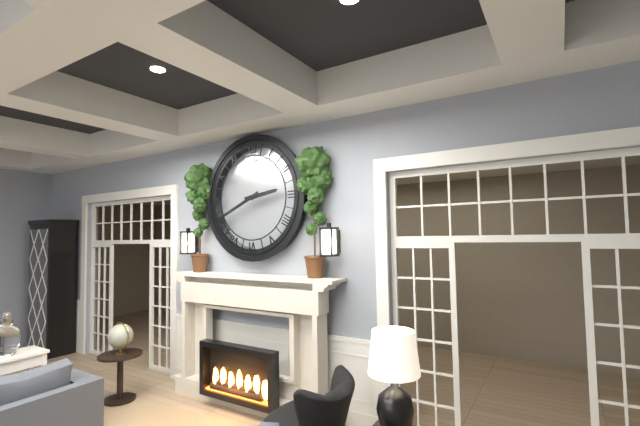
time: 2:41
